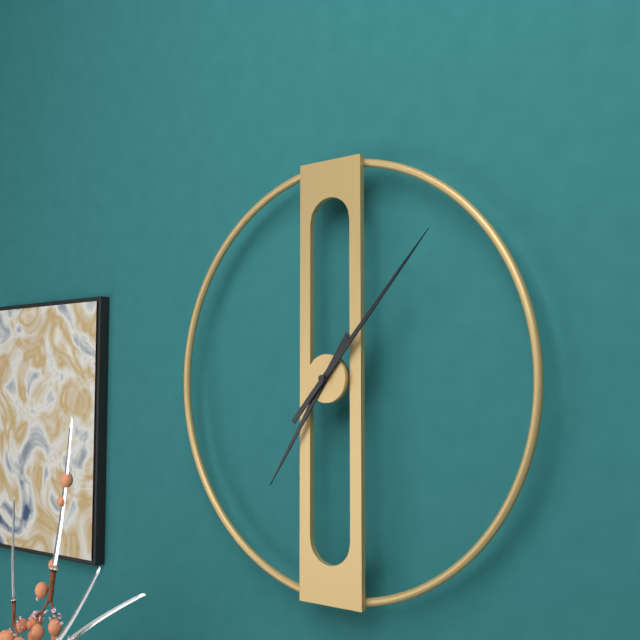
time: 7:07
